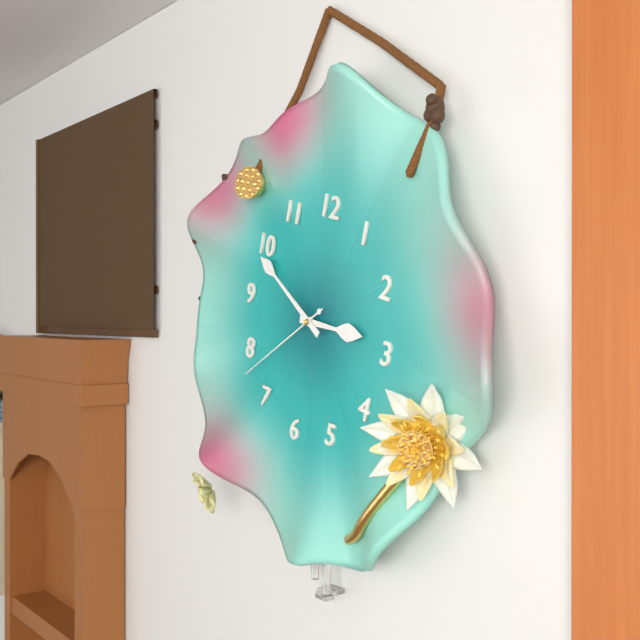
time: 2:49:38
